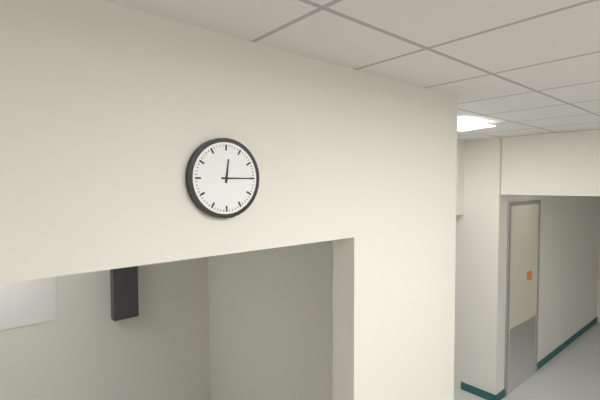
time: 12:15
